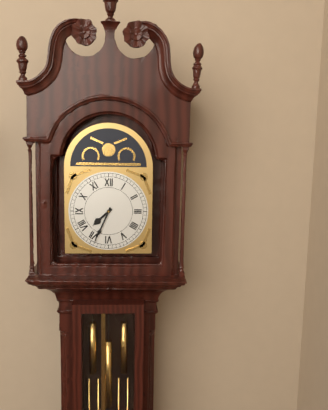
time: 7:34
